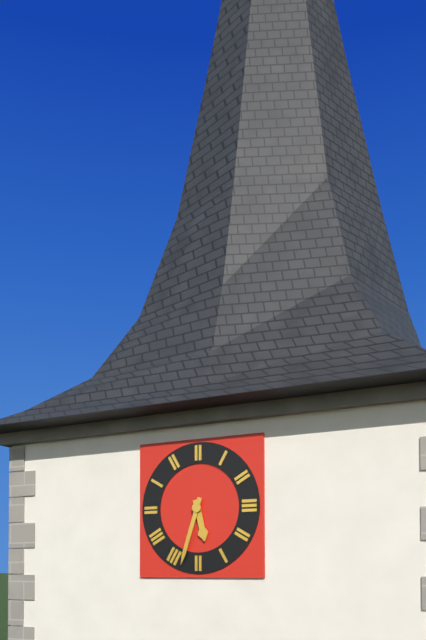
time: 5:33
